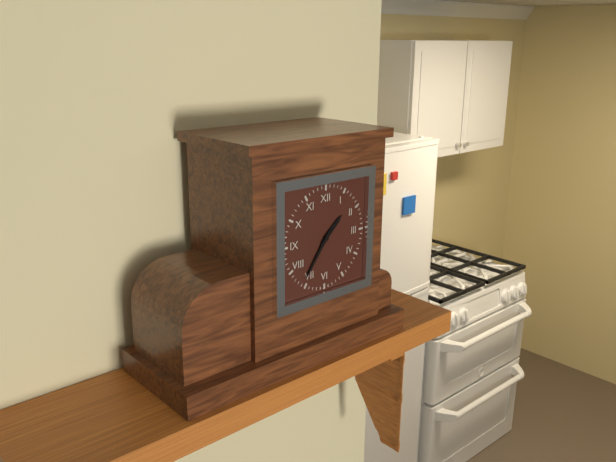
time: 1:36
